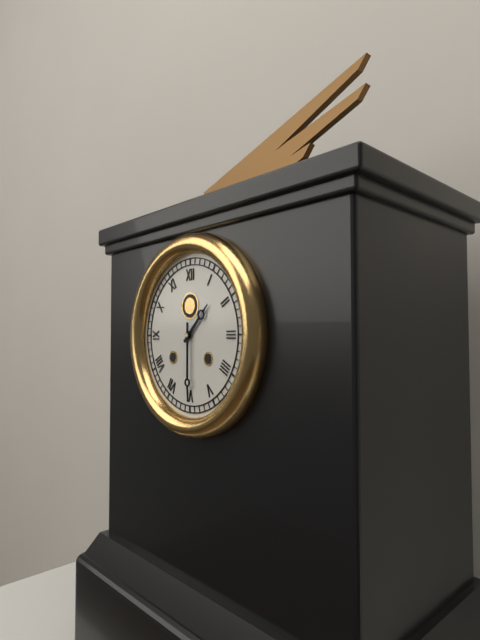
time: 1:30
